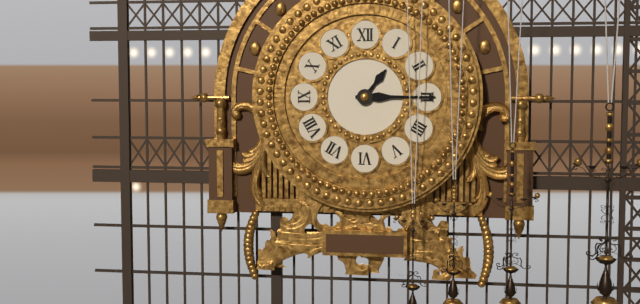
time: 1:15
